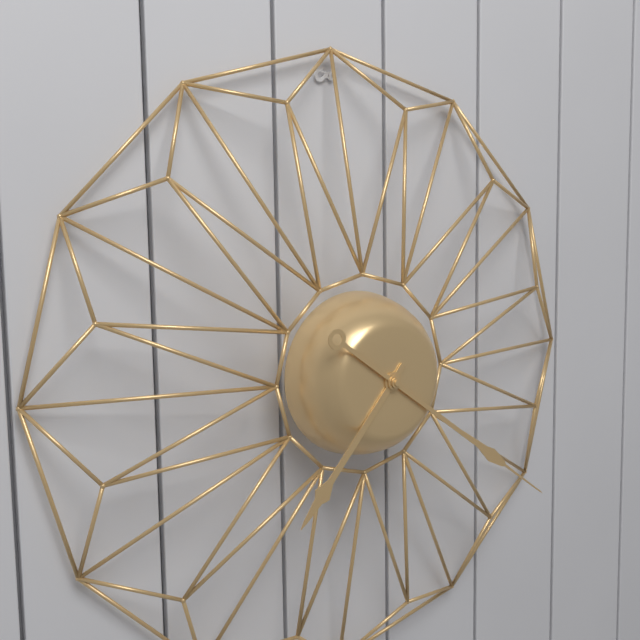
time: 7:21
